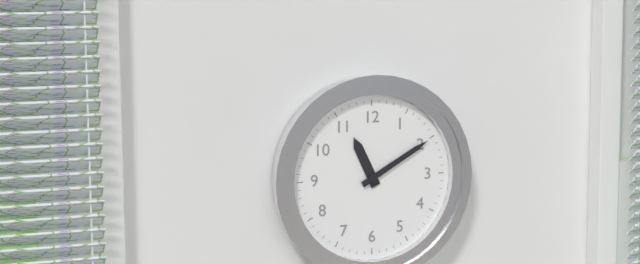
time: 11:10
